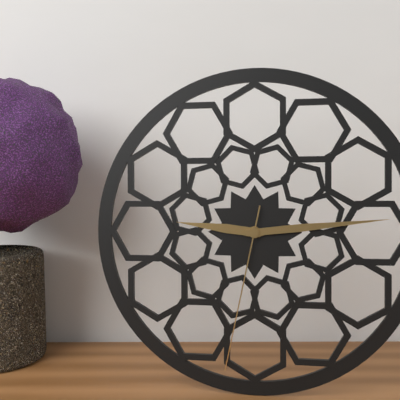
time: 9:14:32
